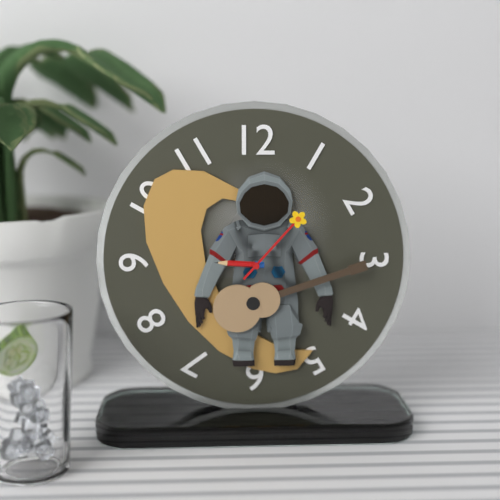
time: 9:07
